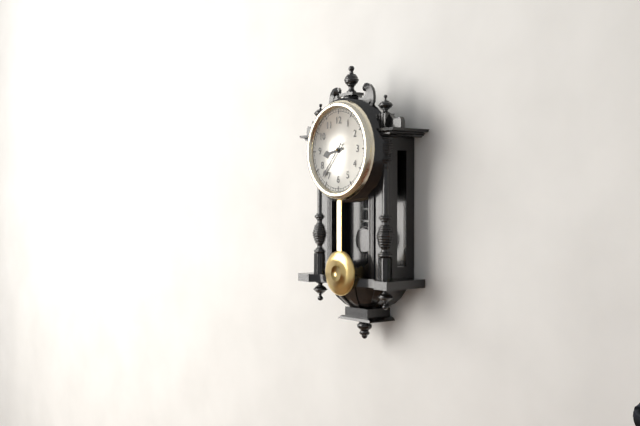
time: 8:37
